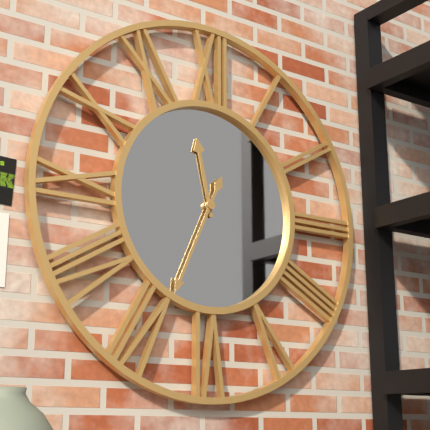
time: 11:34
